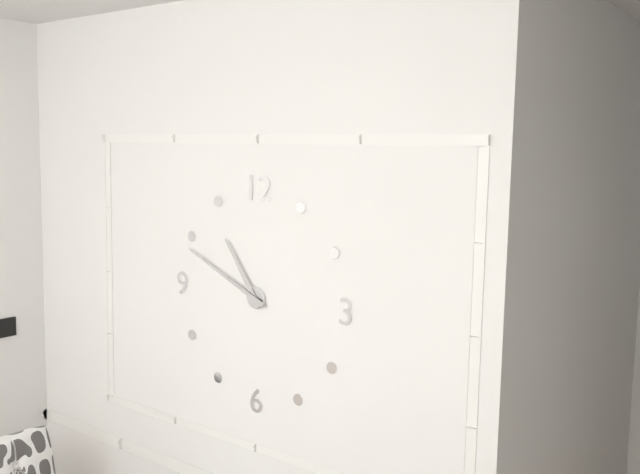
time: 10:49
